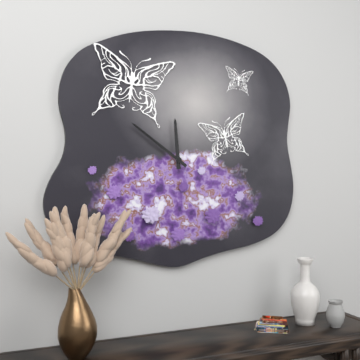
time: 11:51
